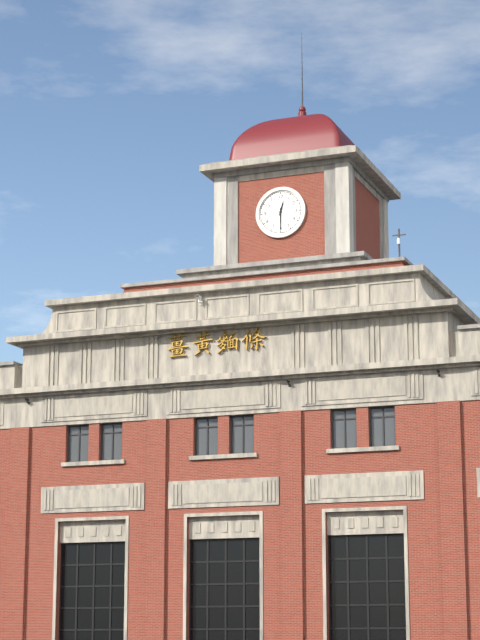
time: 12:30
